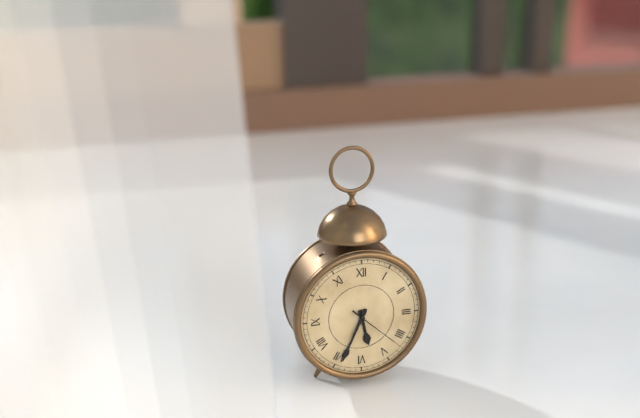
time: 5:34:22
